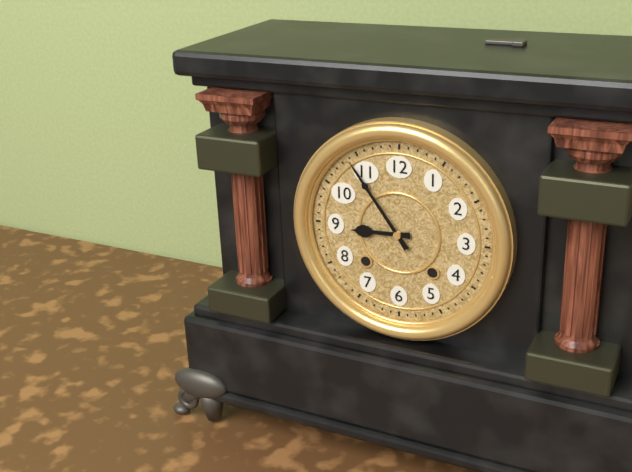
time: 8:54
